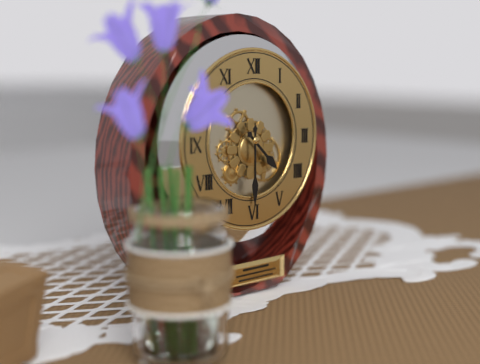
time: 4:30
